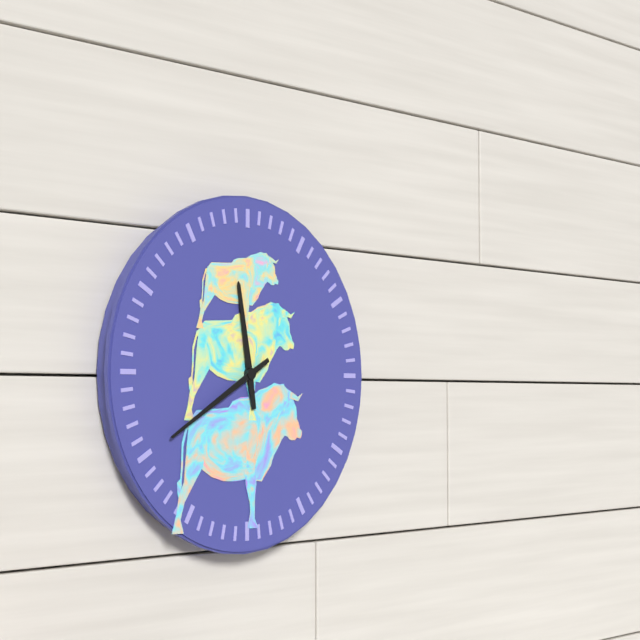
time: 11:40
